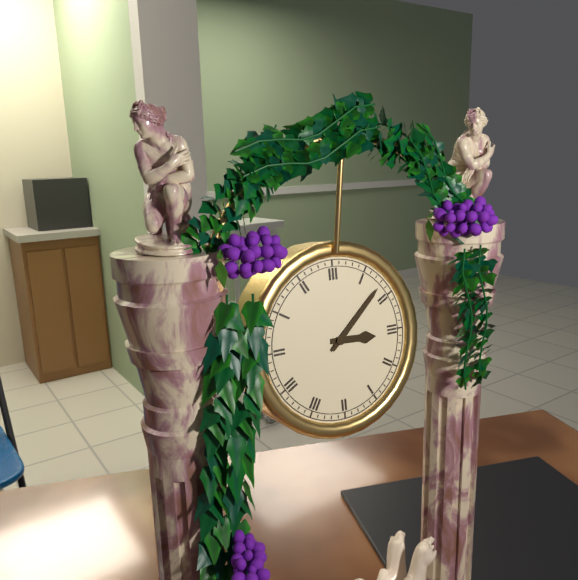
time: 3:08
